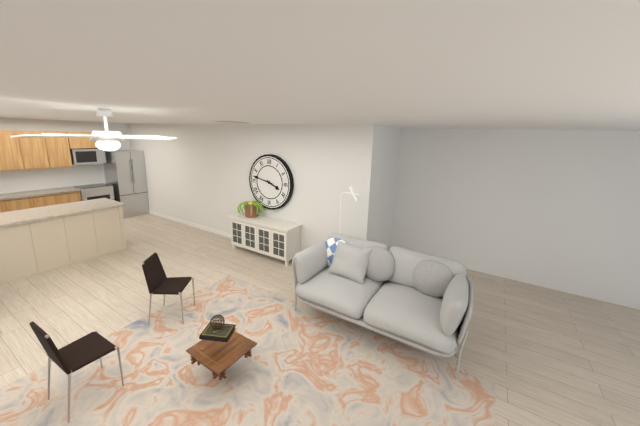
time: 3:47
